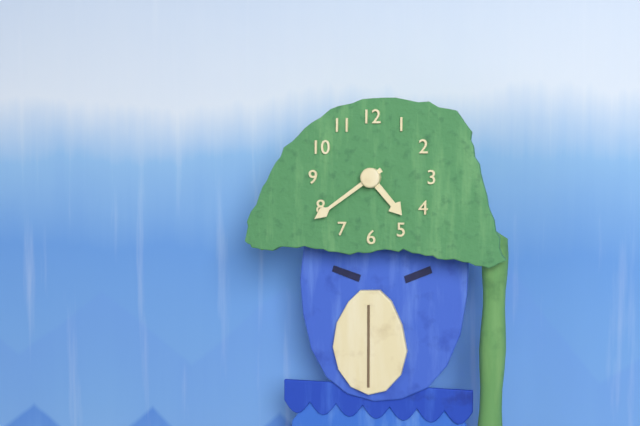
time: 4:39
